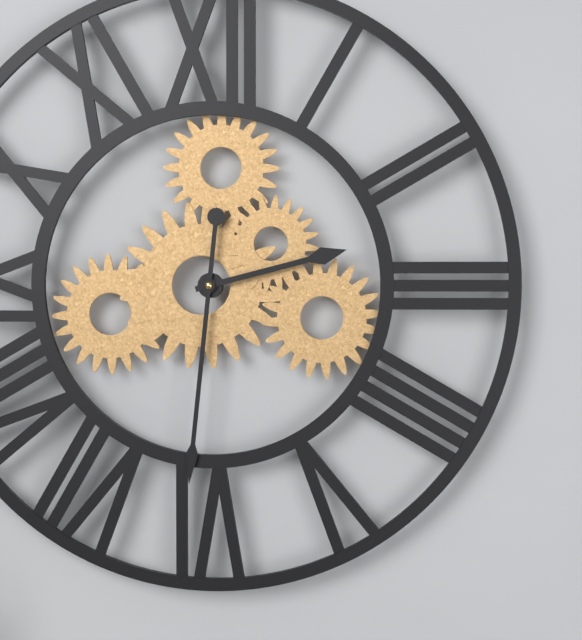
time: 2:31
